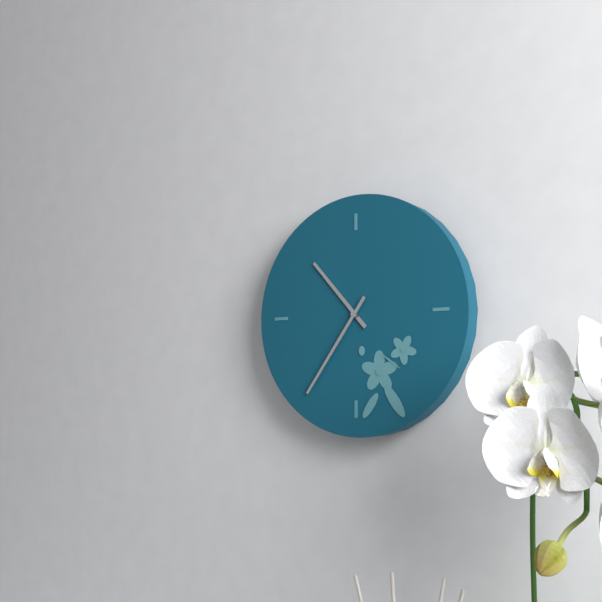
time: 10:36
